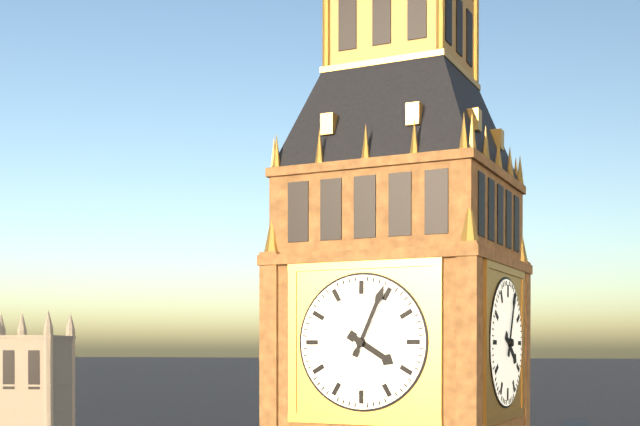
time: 4:04
